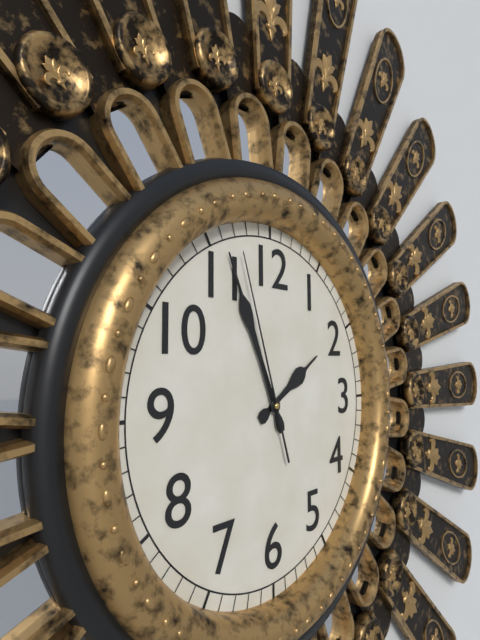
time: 1:56:57
